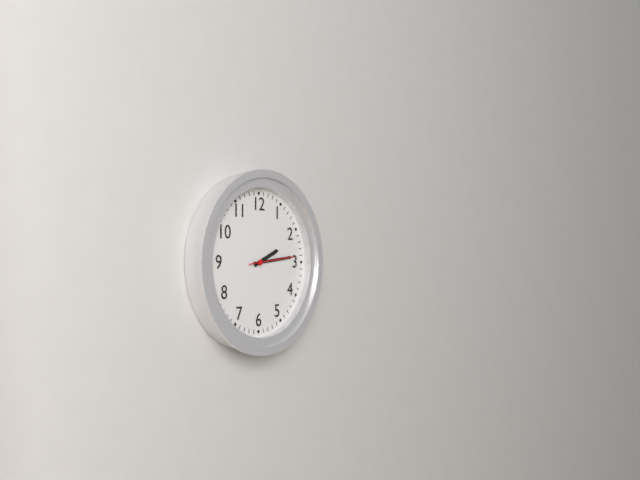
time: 2:14
